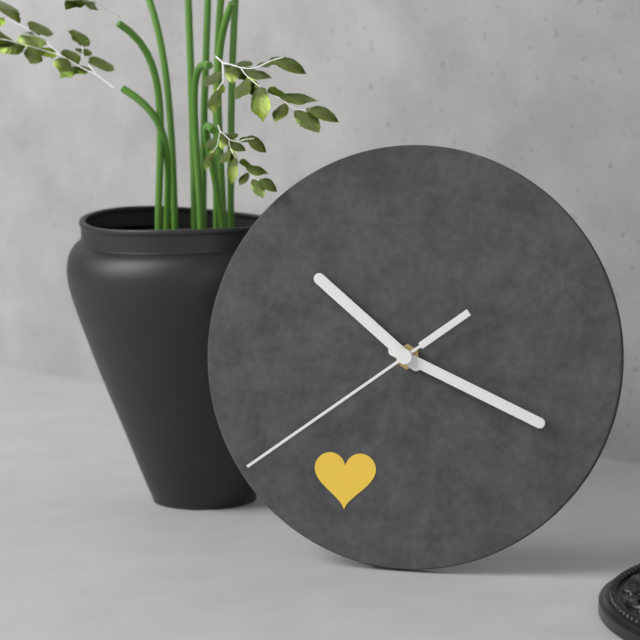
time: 10:19:39
